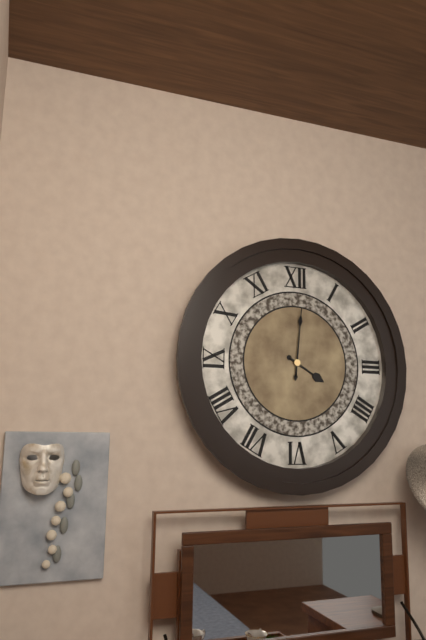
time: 4:01
